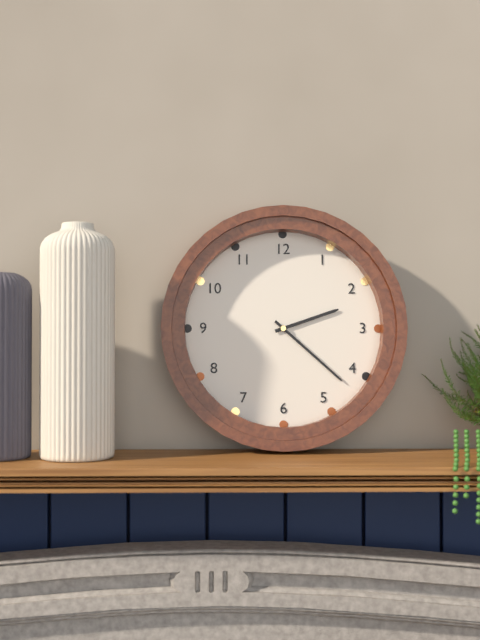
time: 2:22
